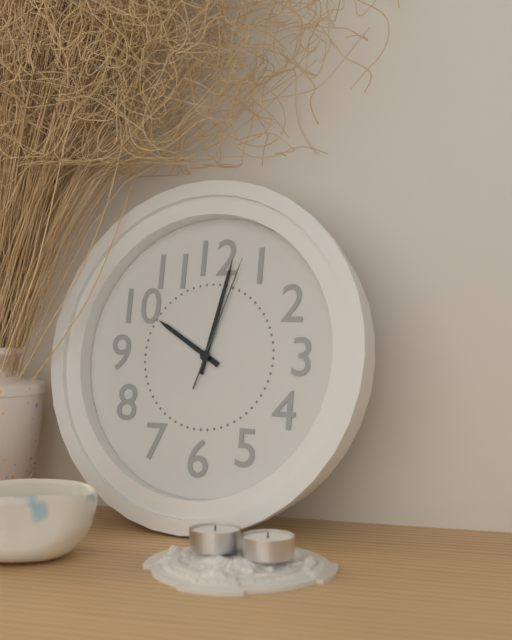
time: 10:02:03
